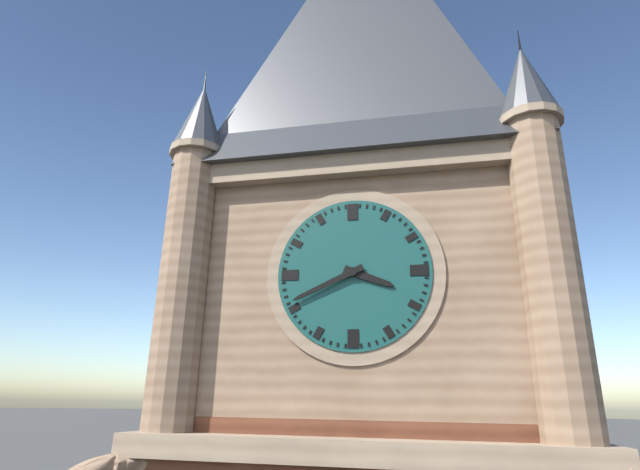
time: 3:41
